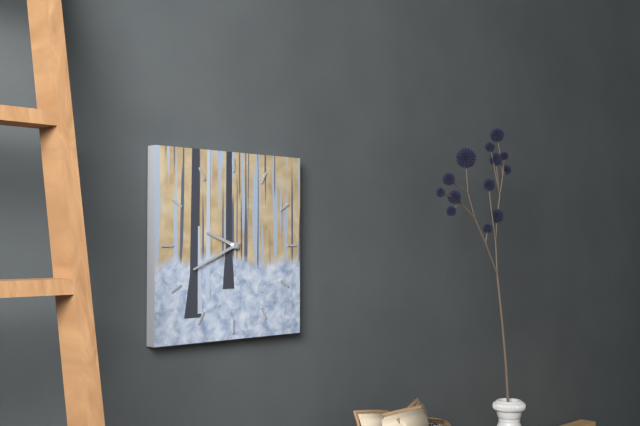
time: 9:41
